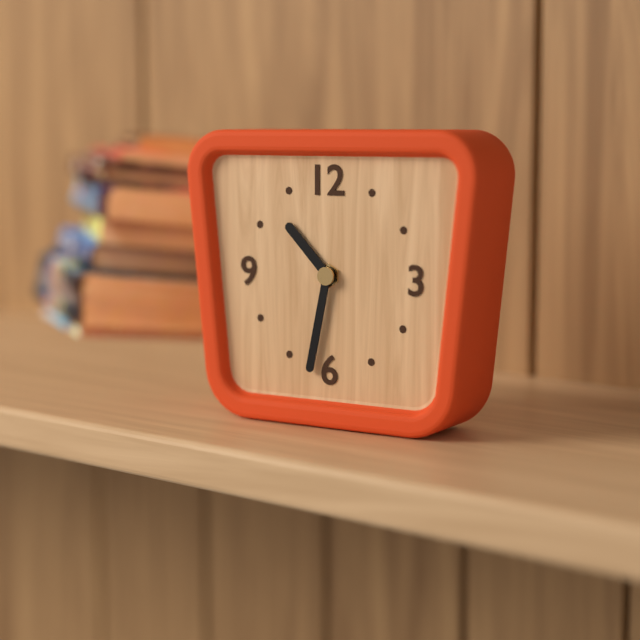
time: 10:32
